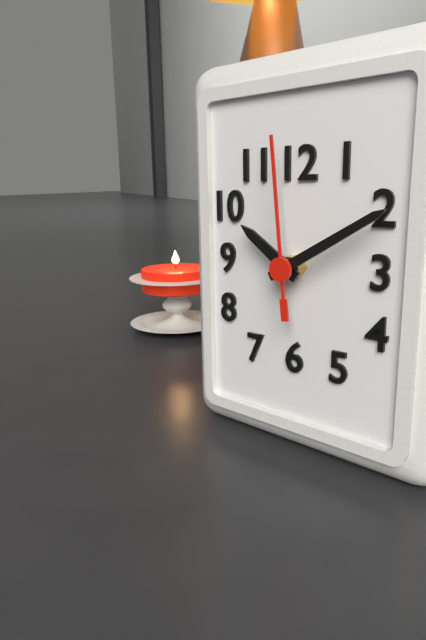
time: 10:10:59
